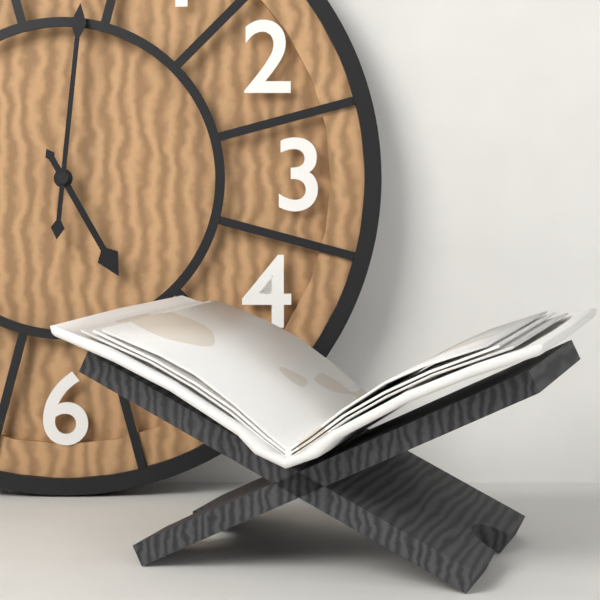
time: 5:01
